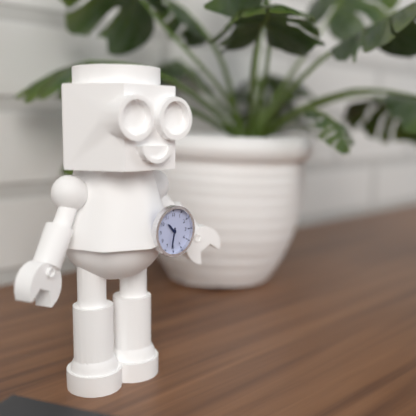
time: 10:32
